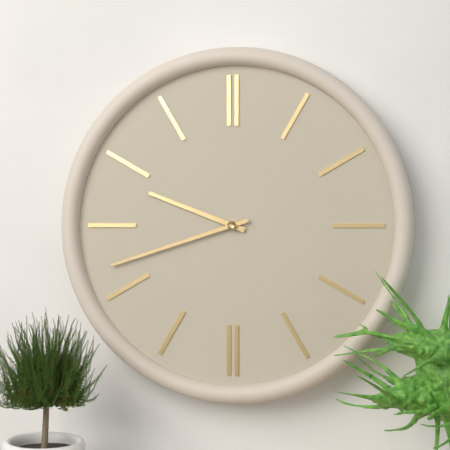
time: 9:42
